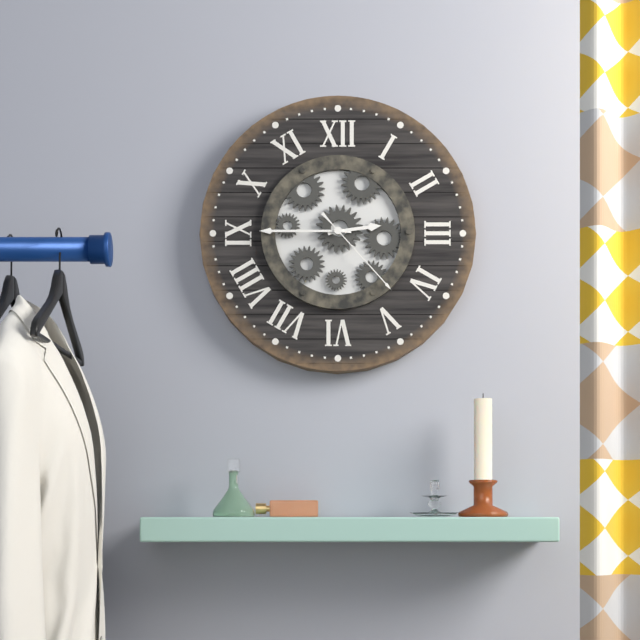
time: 2:45:23
